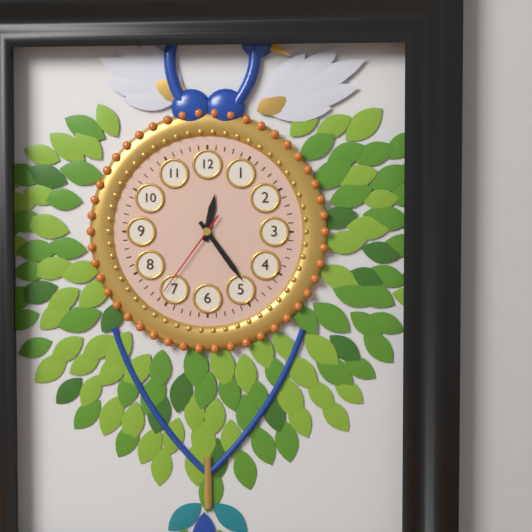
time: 12:24:36
